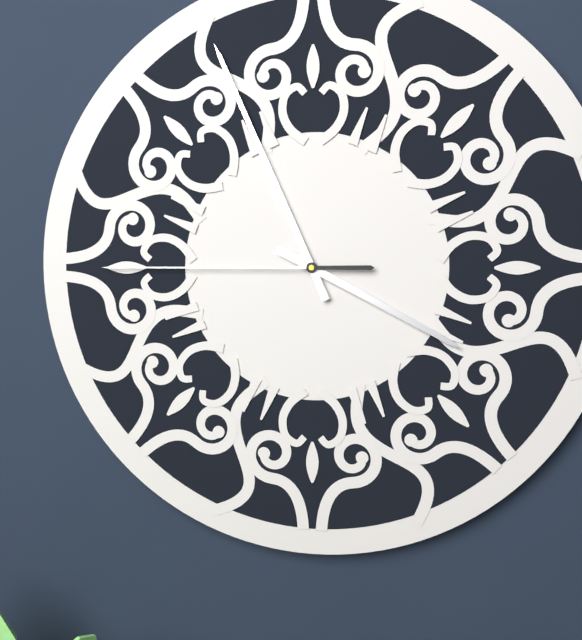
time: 3:56:45
